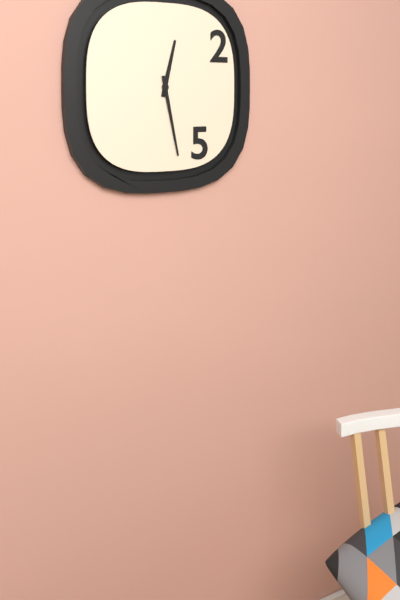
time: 12:28
